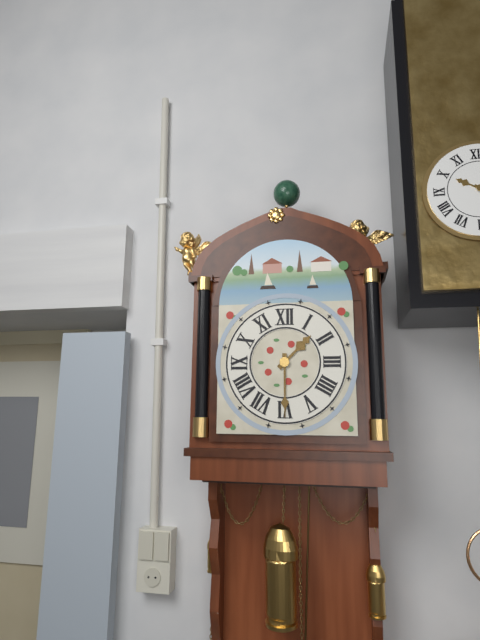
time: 1:30
